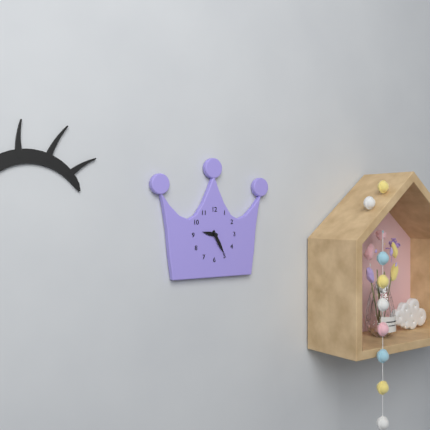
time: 9:25
